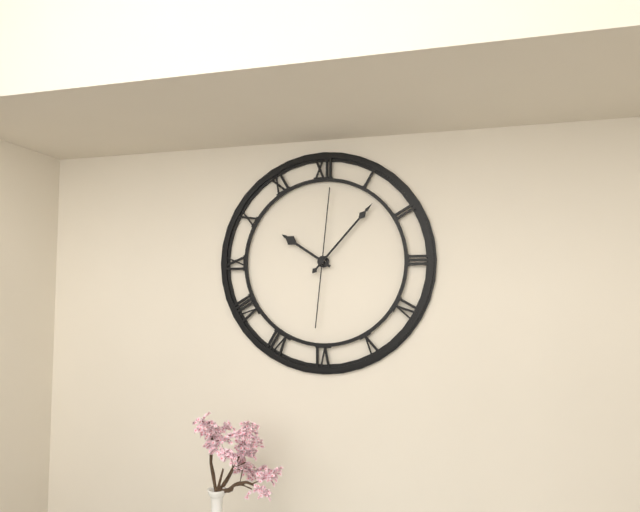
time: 10:07:01
